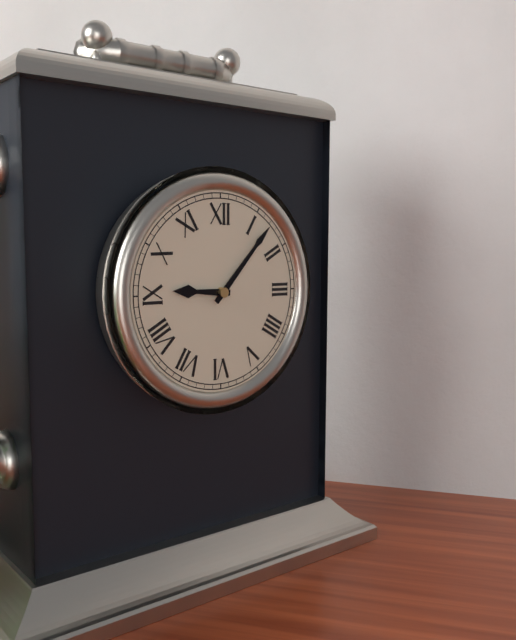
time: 9:07
